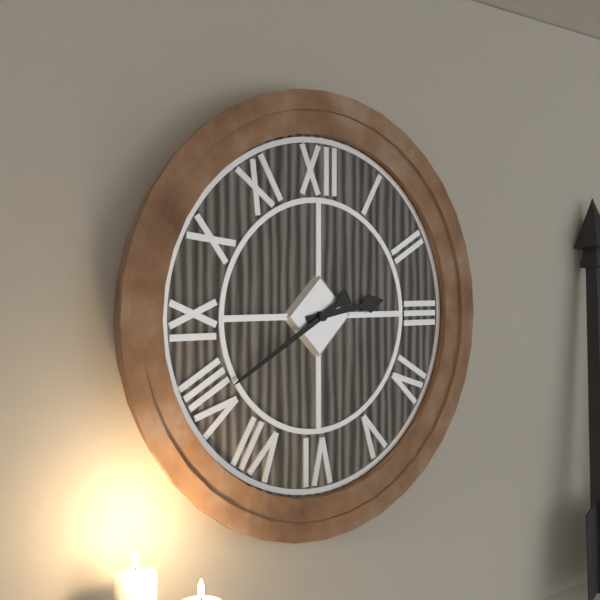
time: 2:40
